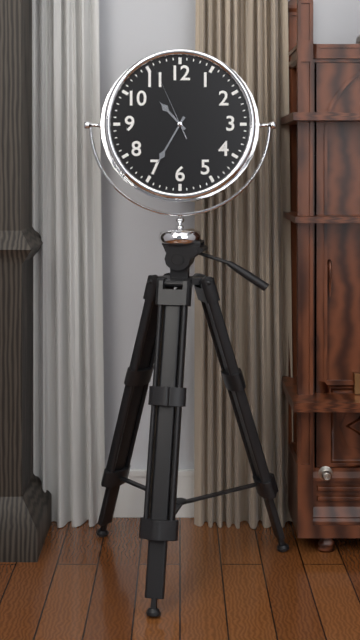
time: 10:35:56
